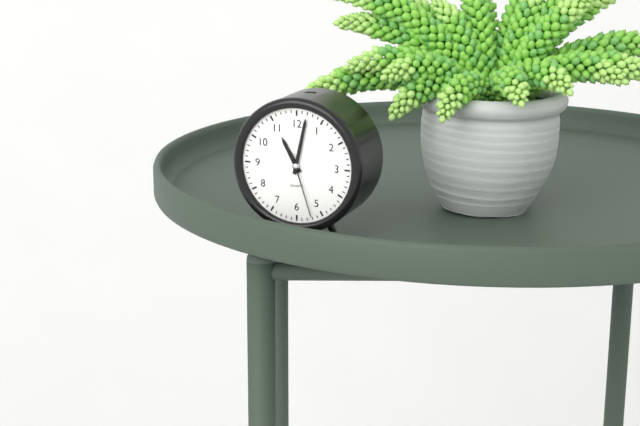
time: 11:02:27
